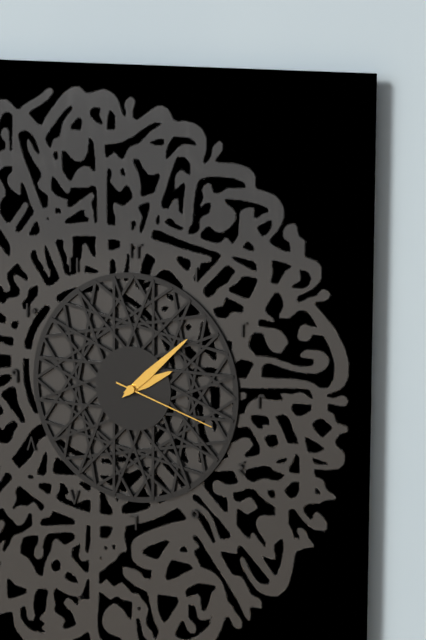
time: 2:08:18
